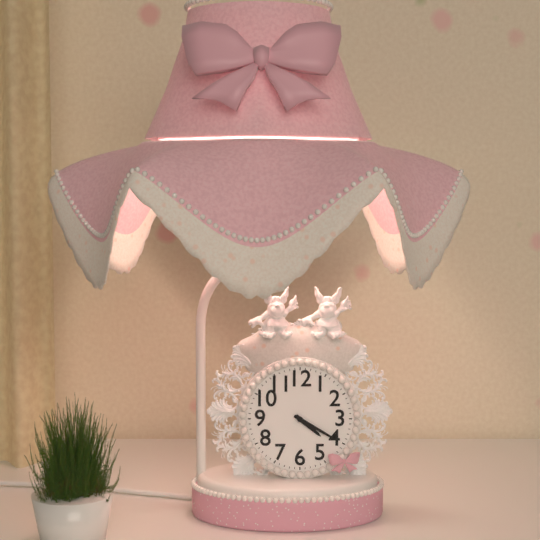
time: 4:20
